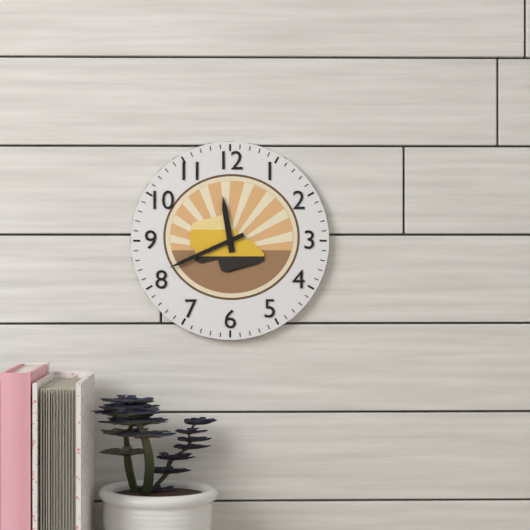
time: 11:41
